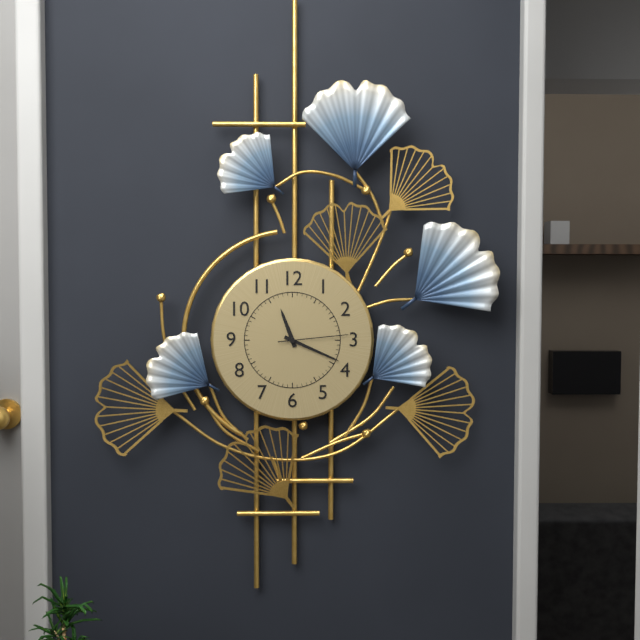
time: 11:19:14
